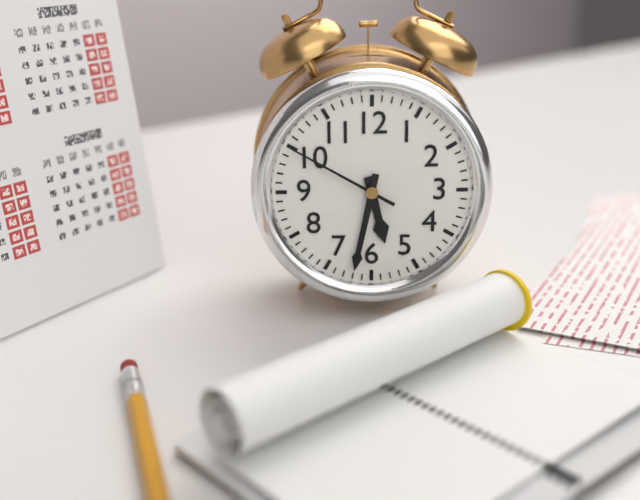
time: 5:32:50
